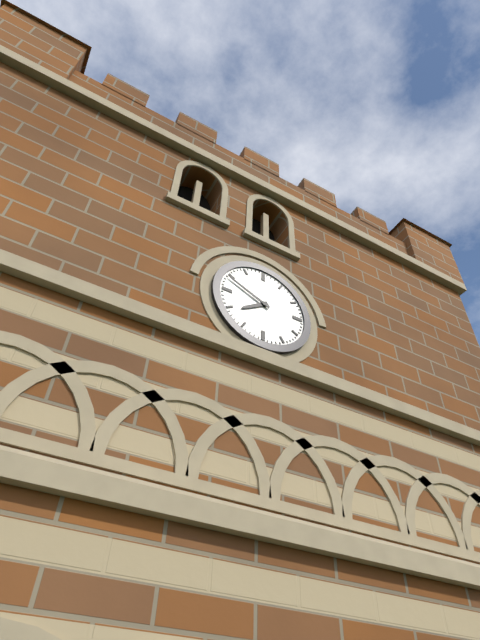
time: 7:49
